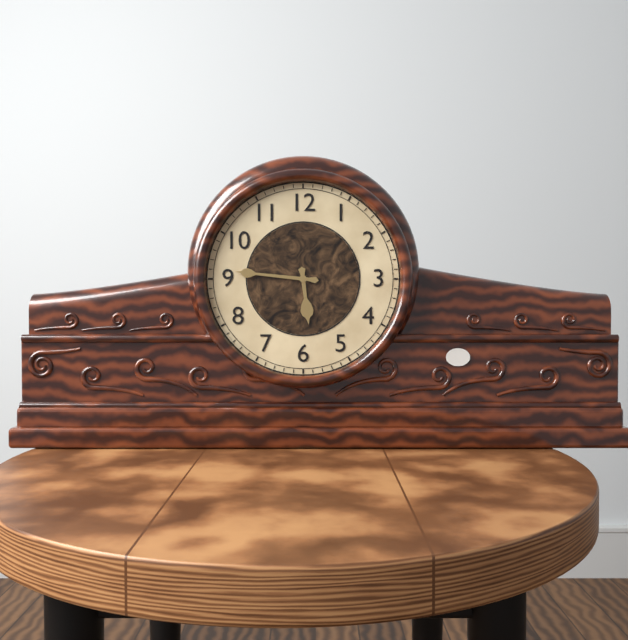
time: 5:46
